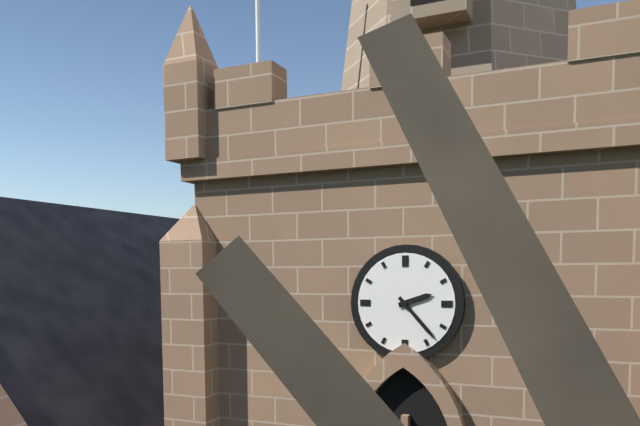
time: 2:23
